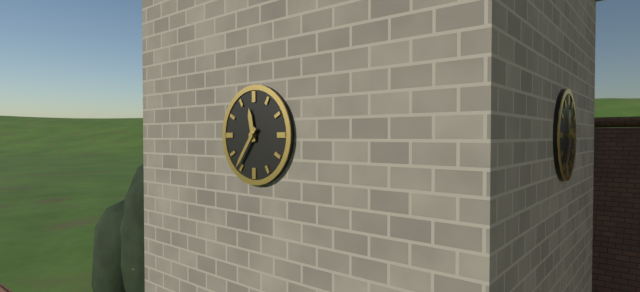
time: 11:36
